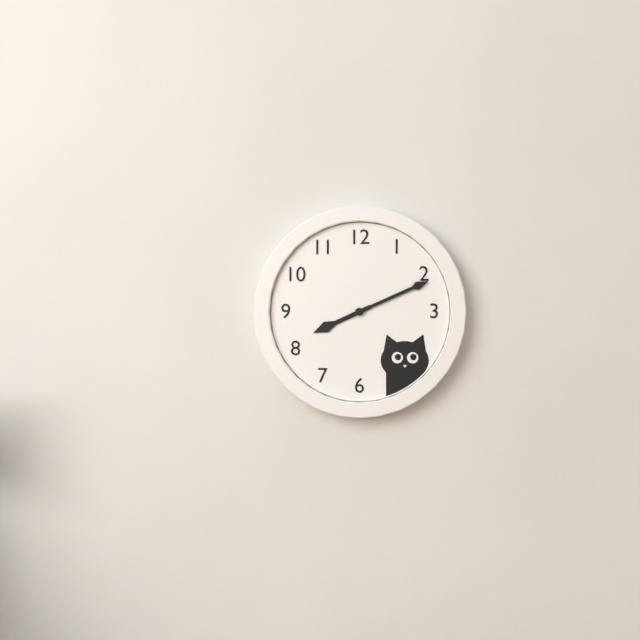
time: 8:11
